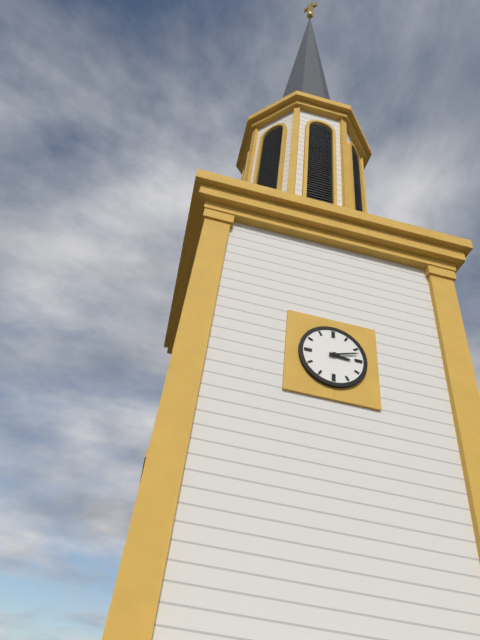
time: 3:12
